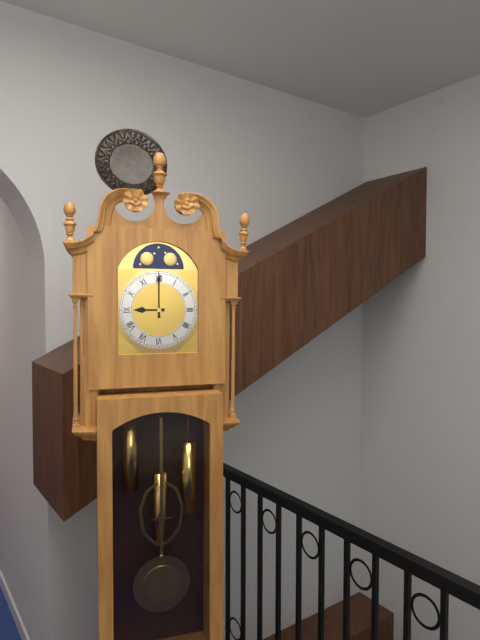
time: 9:00
